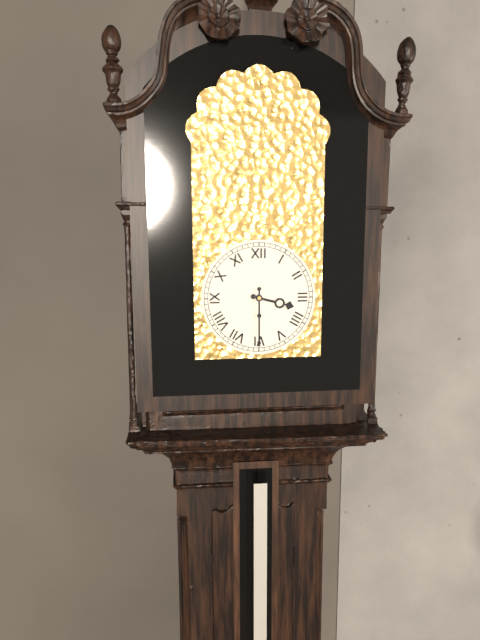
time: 3:30
